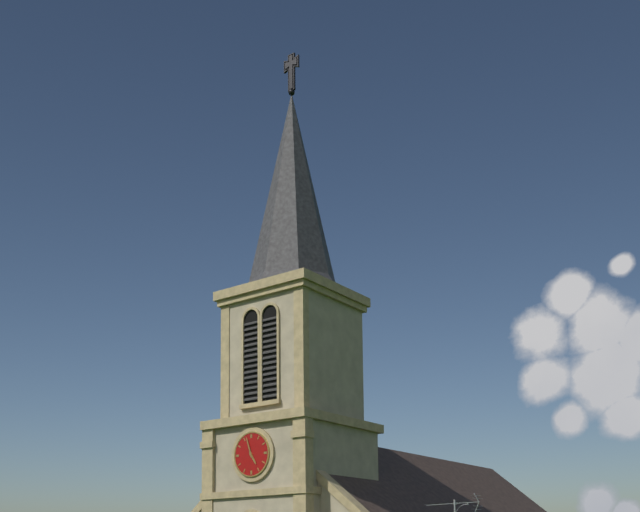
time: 4:57
